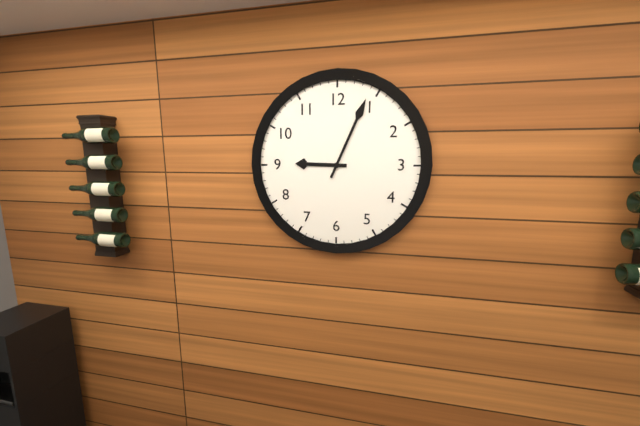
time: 9:04
